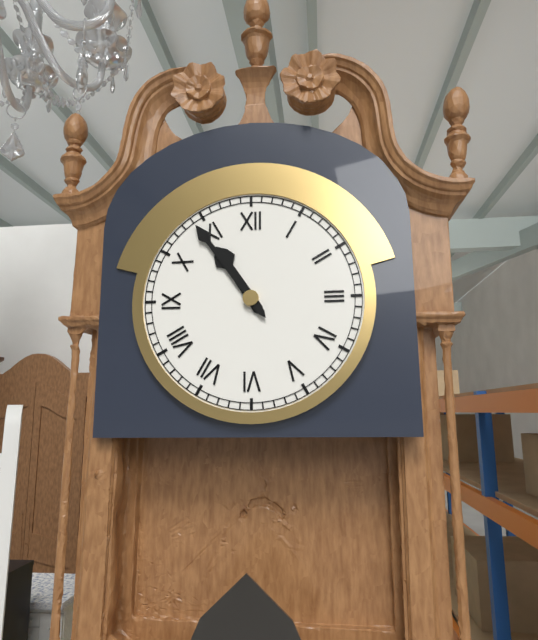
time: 10:54
